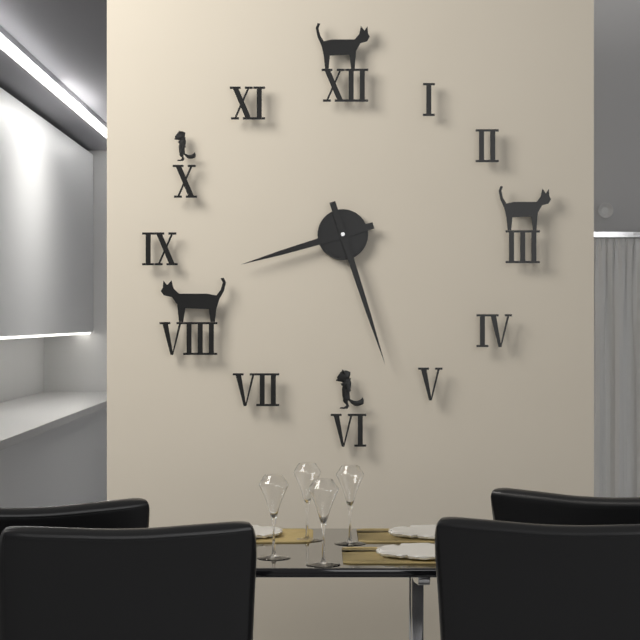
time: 8:27
